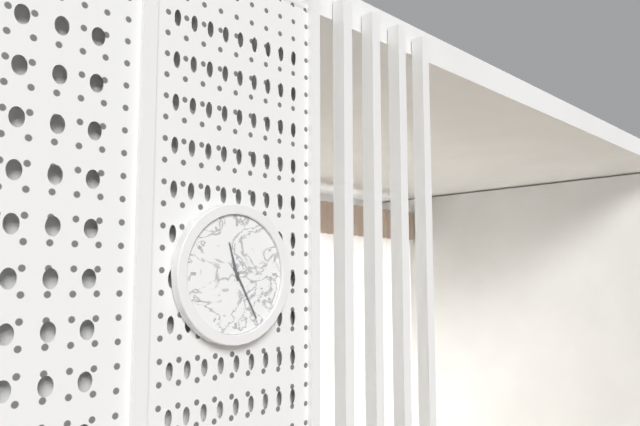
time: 11:25
